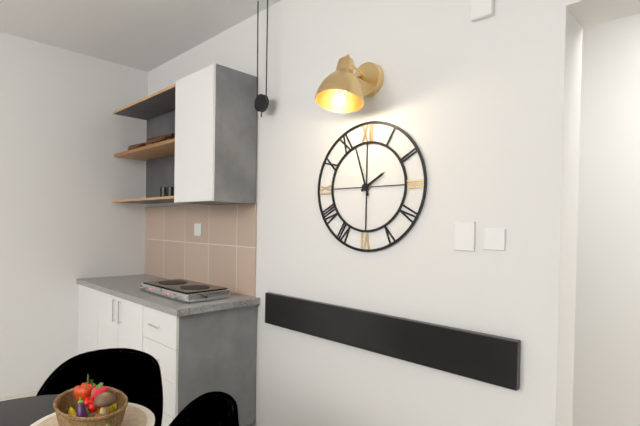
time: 1:57
